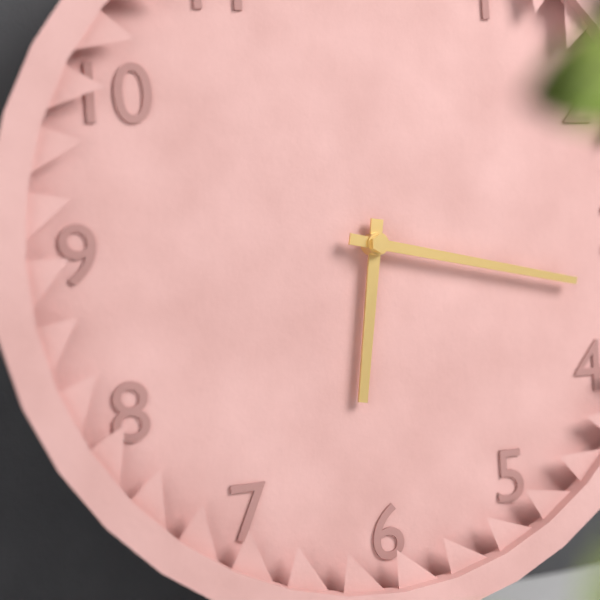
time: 6:17
